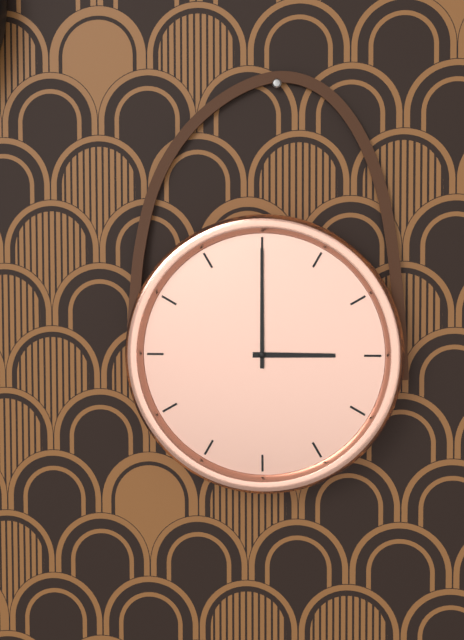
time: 3:00
